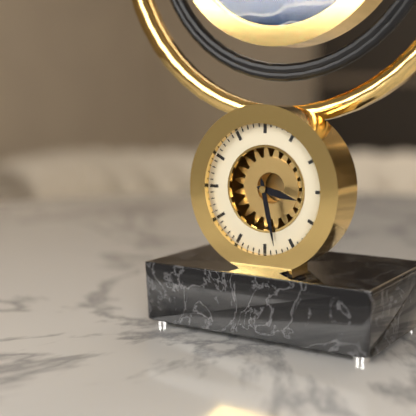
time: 3:28
